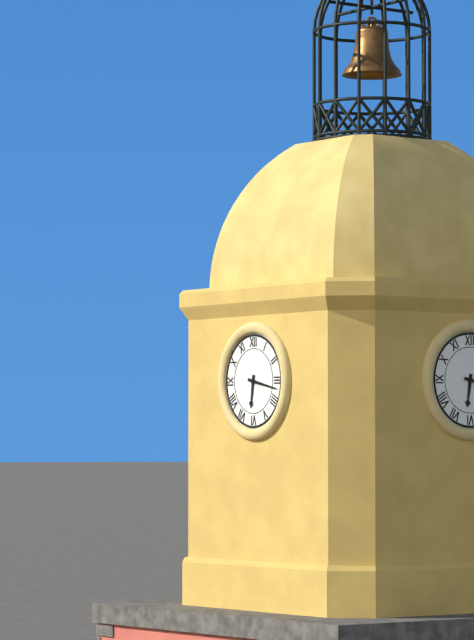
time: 6:17
